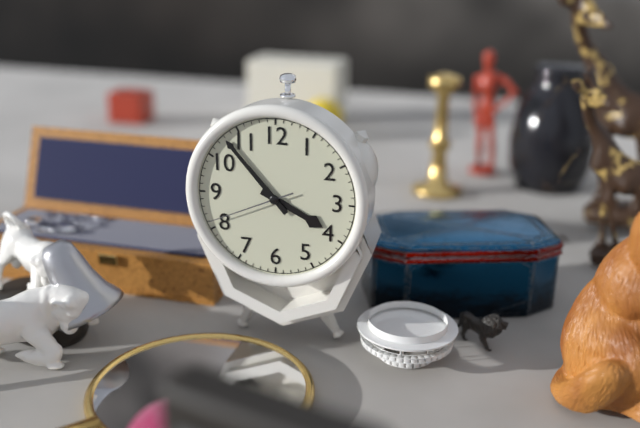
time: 3:53:41
